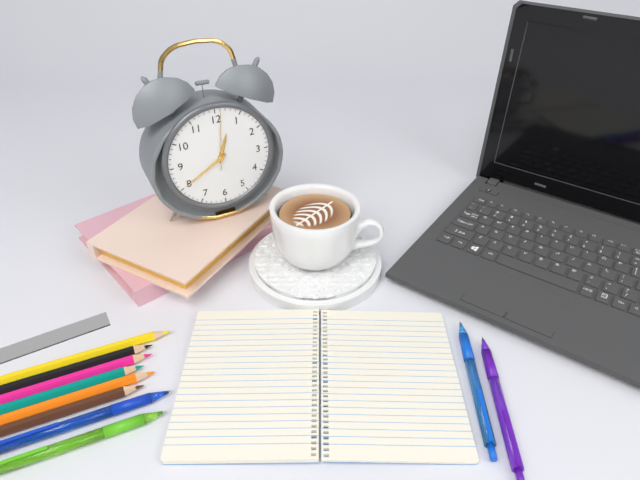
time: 12:40:01
